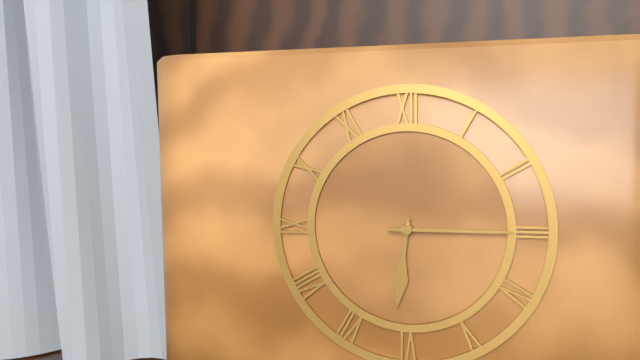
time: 6:15
